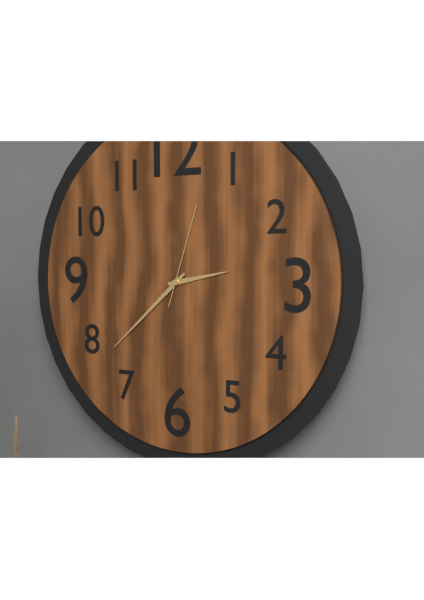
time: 2:38:03
